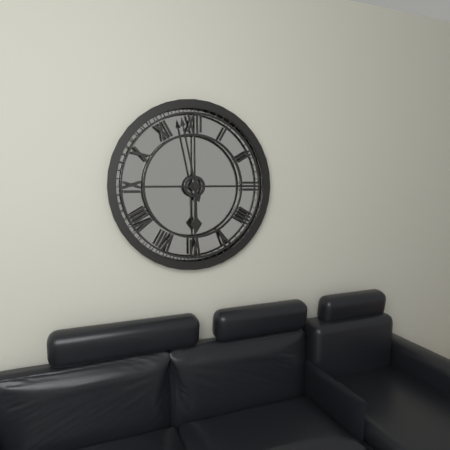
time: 5:58
